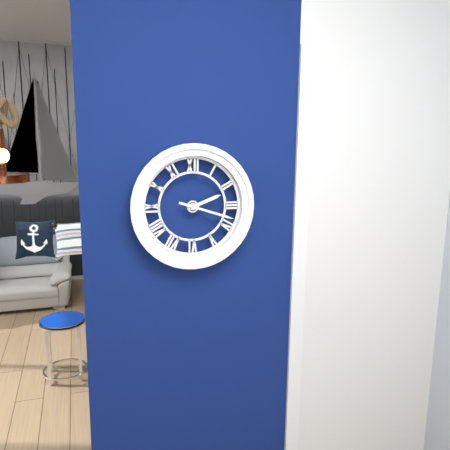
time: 2:18
